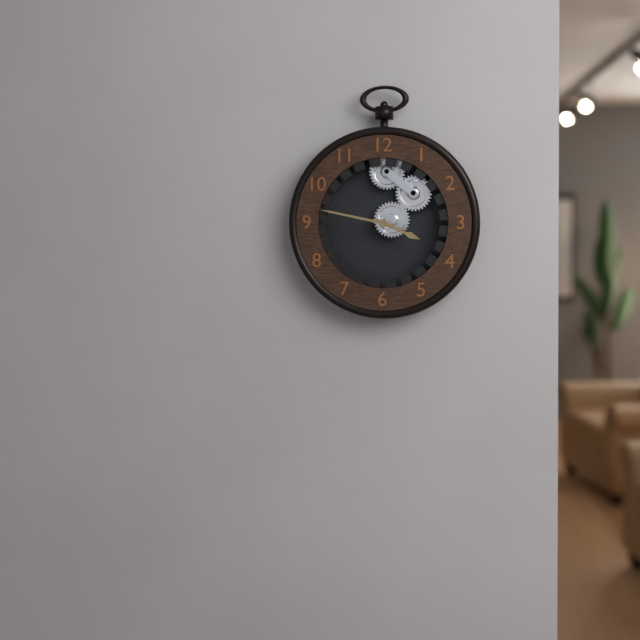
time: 3:47
